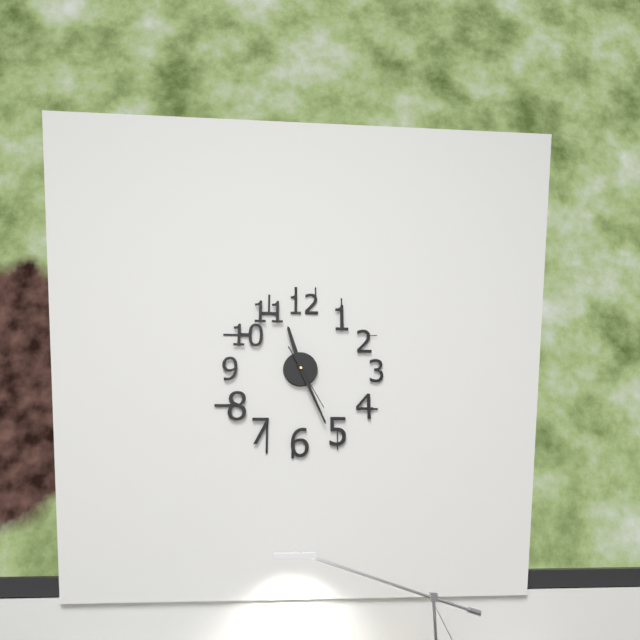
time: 11:26:25
